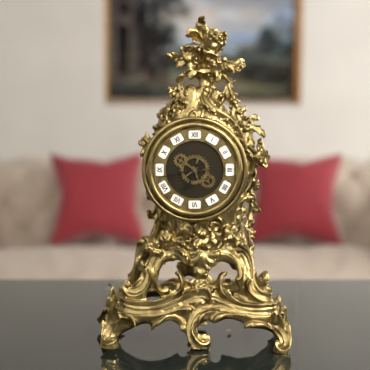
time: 6:43
